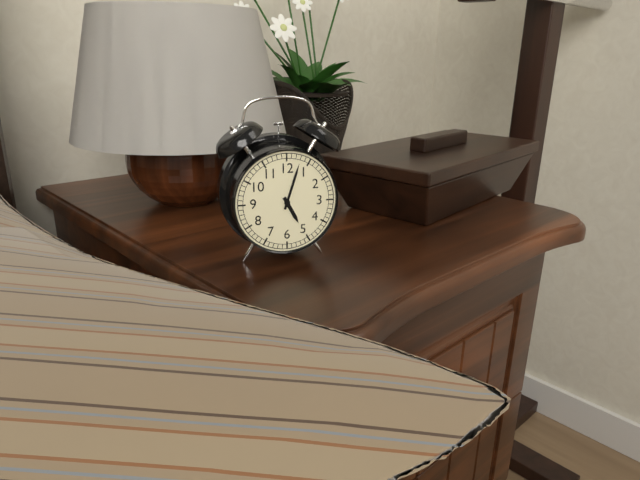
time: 5:03
